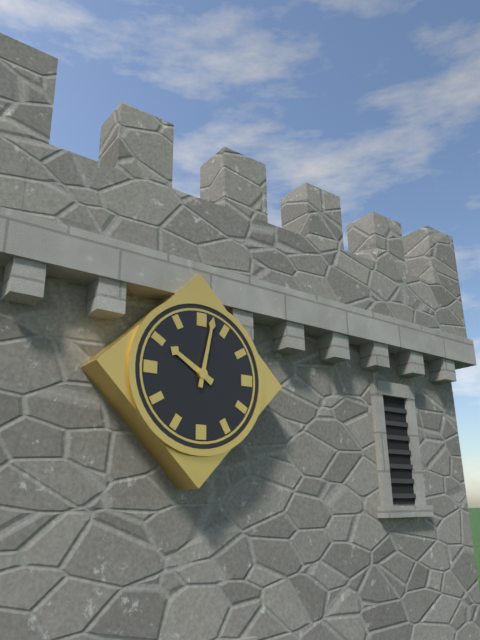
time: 10:02
